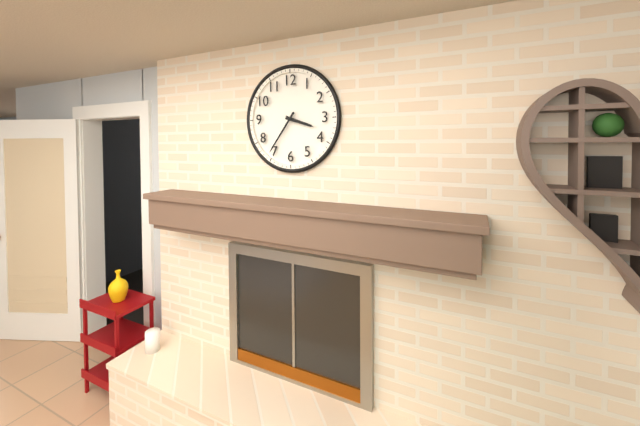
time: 3:36
